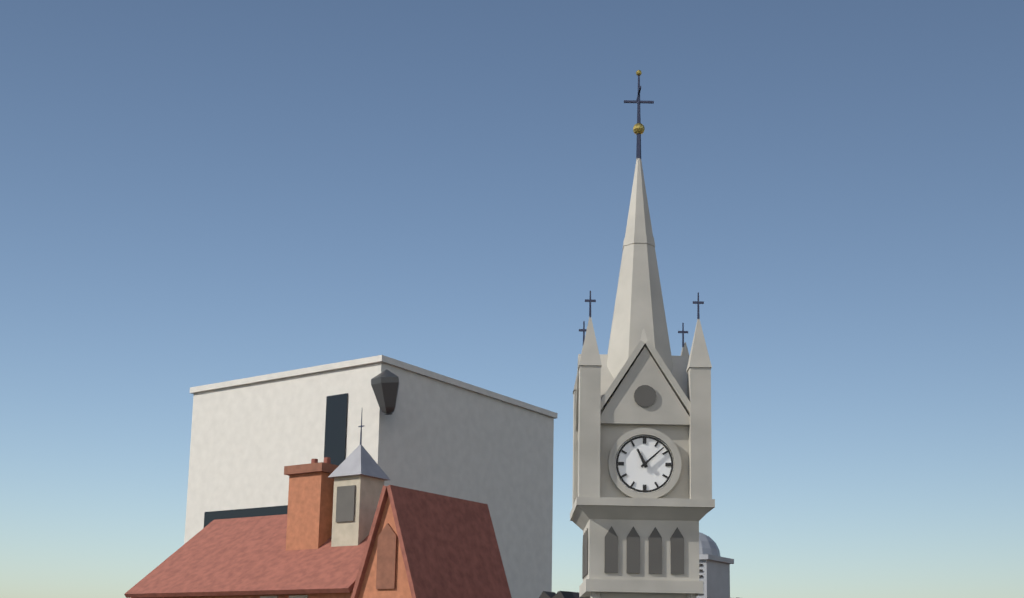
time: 11:08
